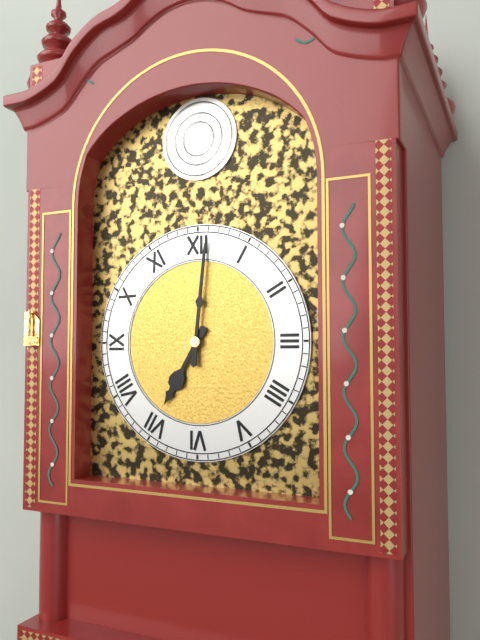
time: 7:01
